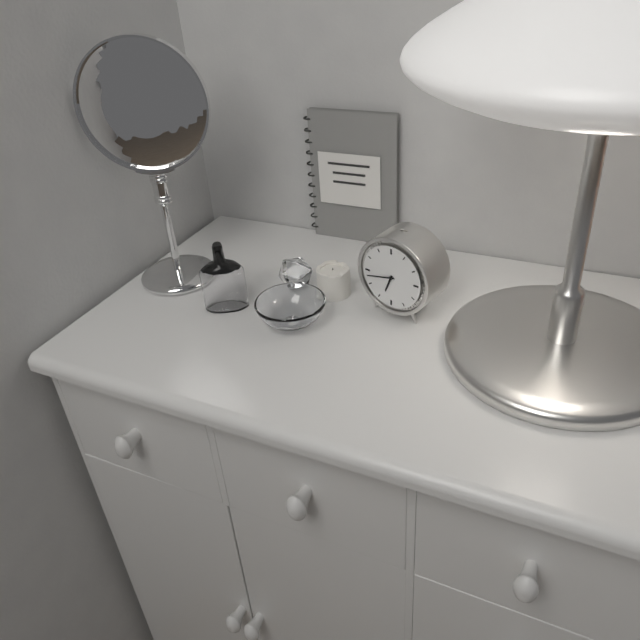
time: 6:43
